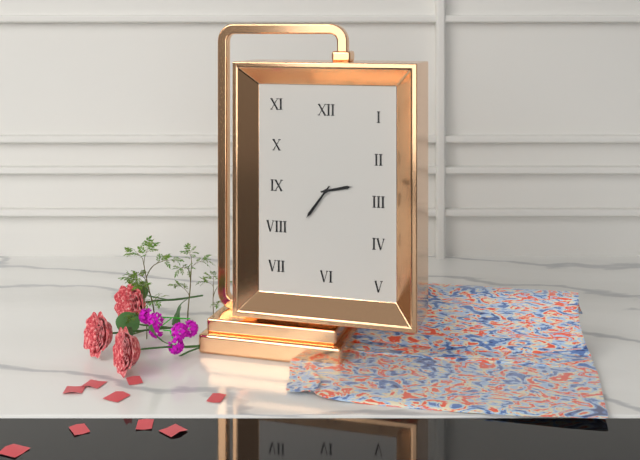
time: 2:36
